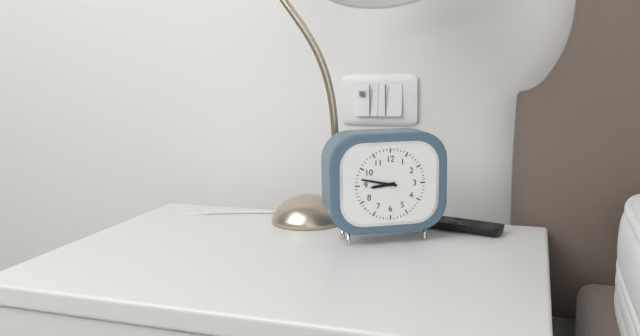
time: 8:47
